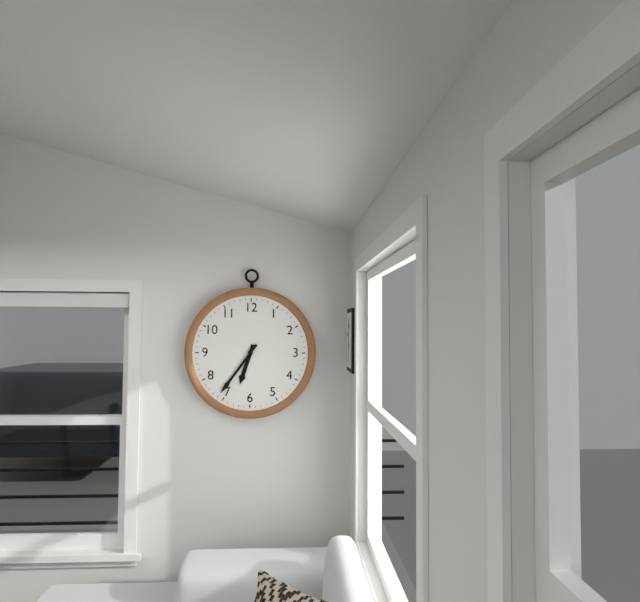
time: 6:36
